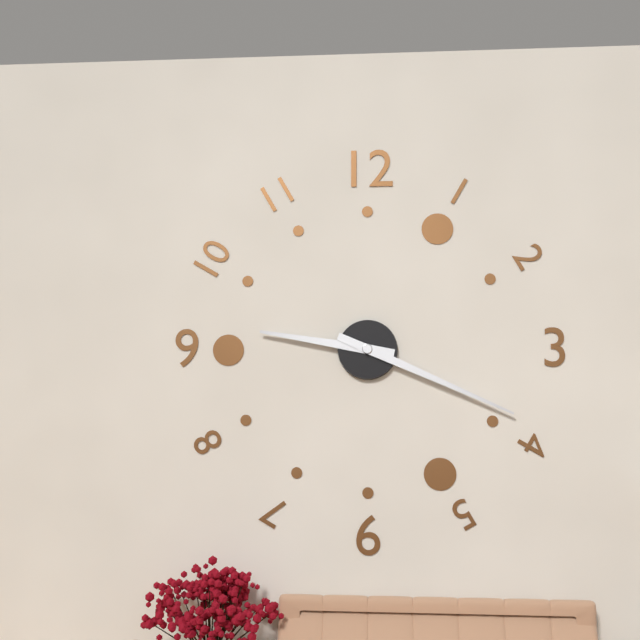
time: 9:19
